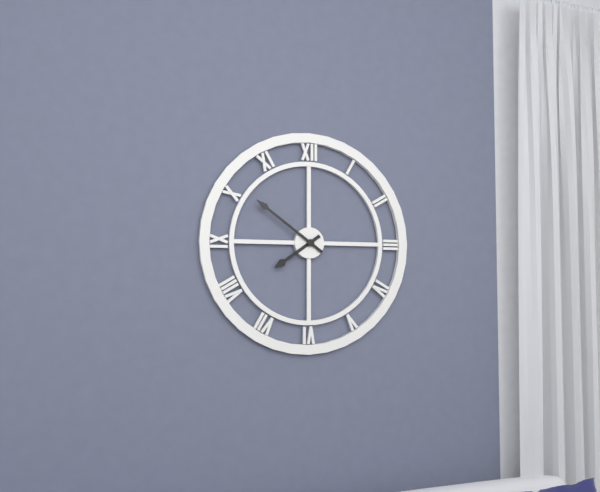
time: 7:51
